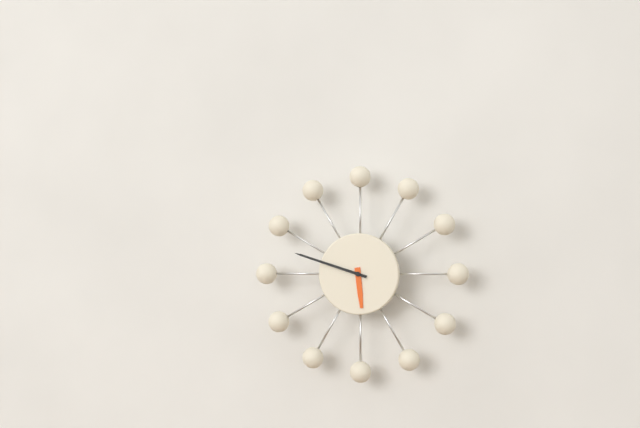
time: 5:48
